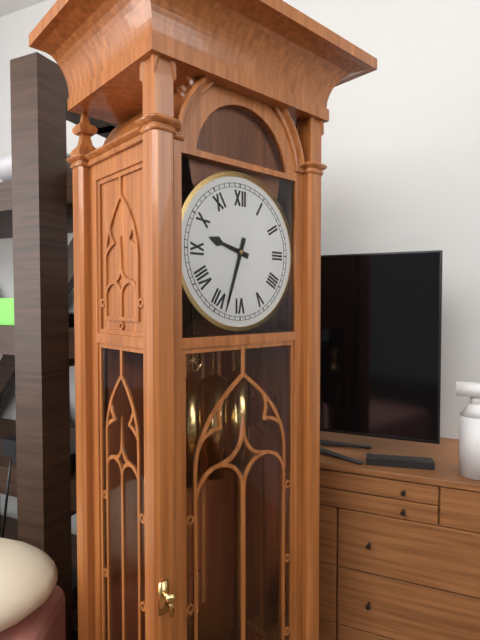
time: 9:33
